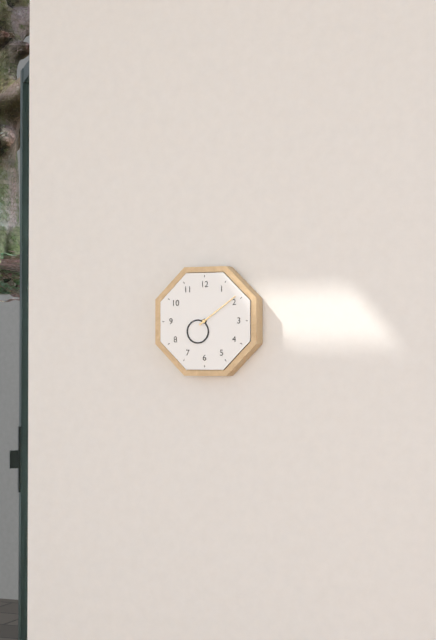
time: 7:09
